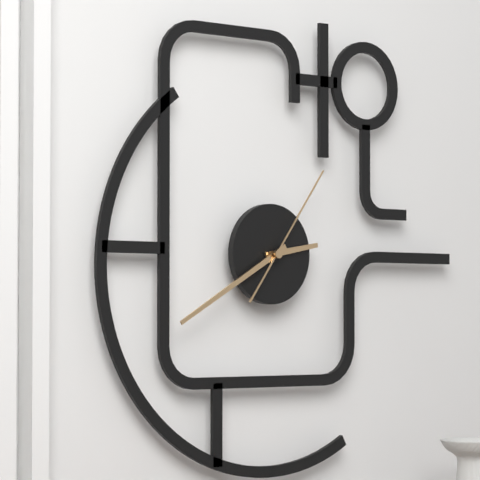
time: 2:40:06
